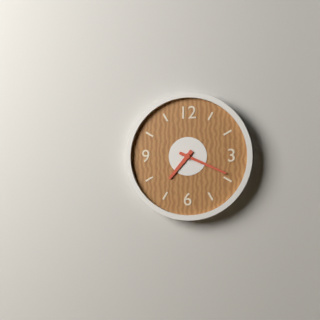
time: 7:19
